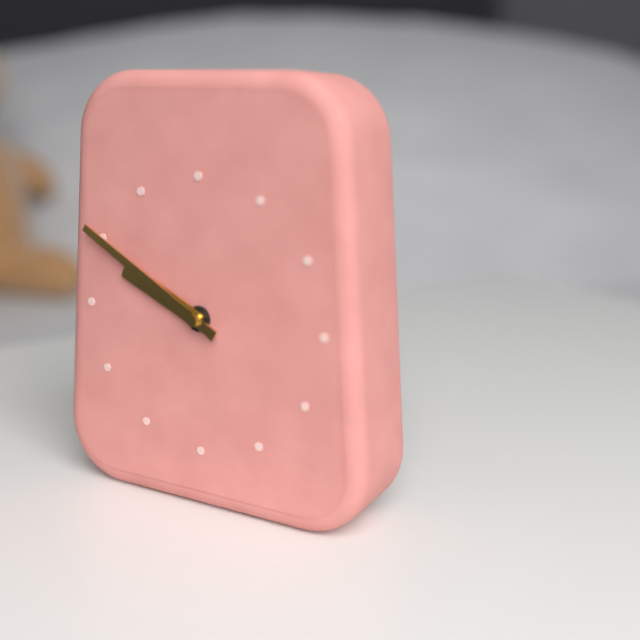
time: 9:50
